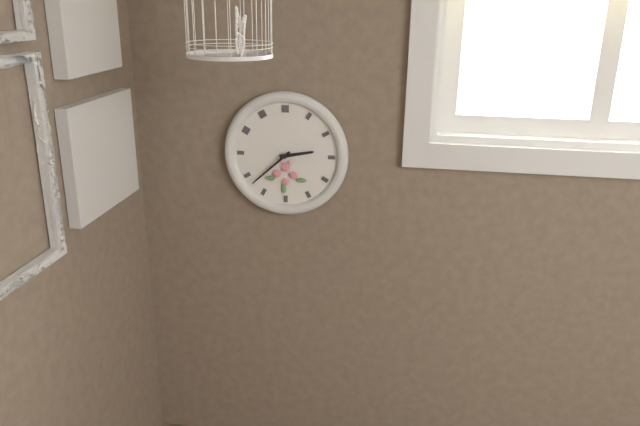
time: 2:38
